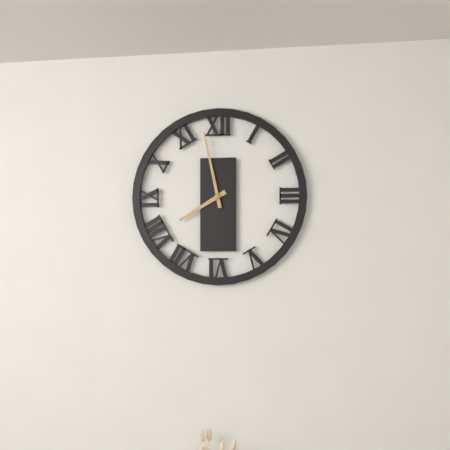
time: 7:58
